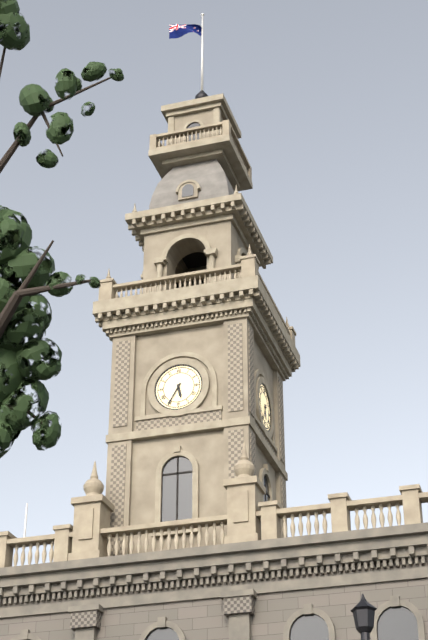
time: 5:35
